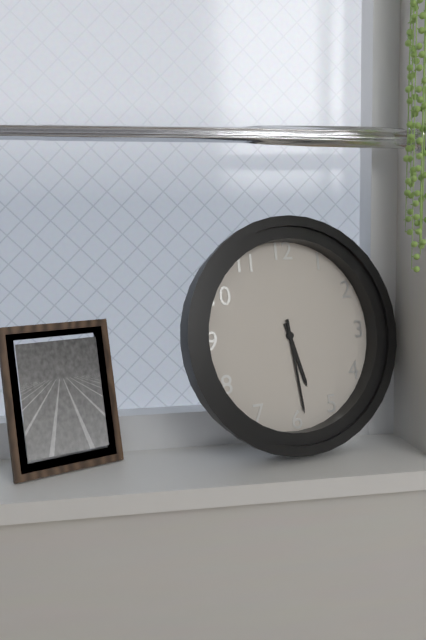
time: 5:29
